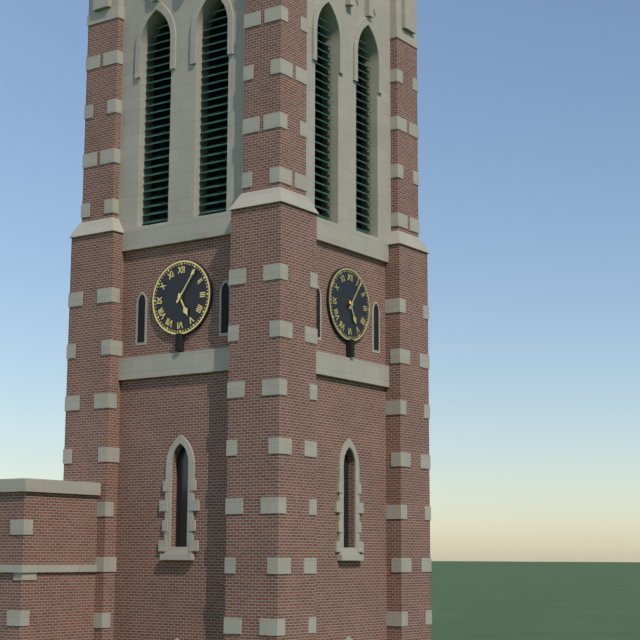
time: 5:06
